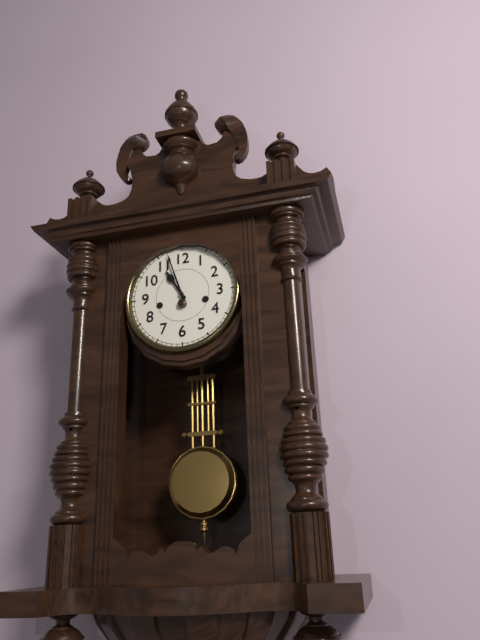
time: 10:57
